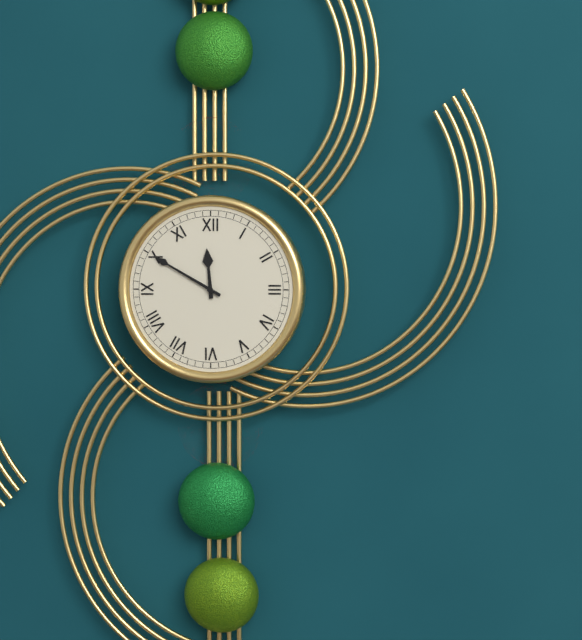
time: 11:50
